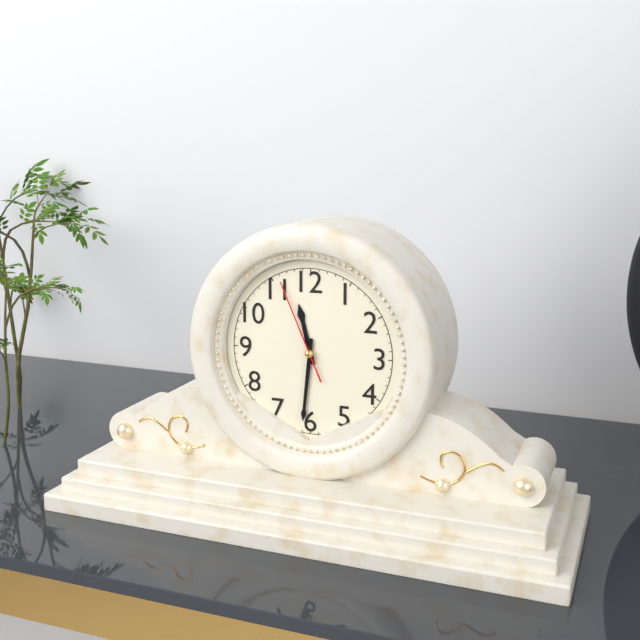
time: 11:31:56
